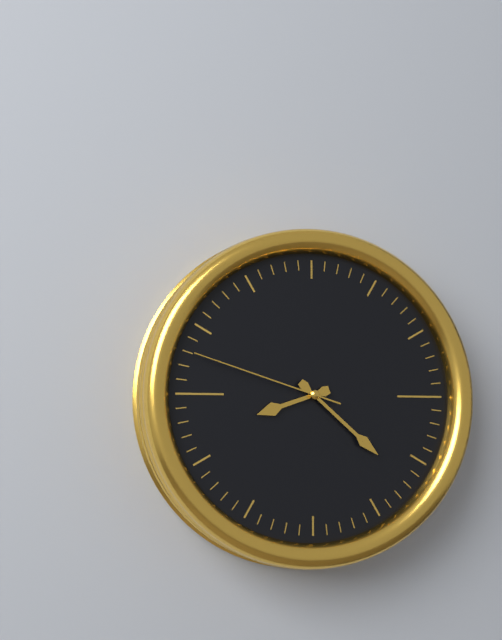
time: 8:22:48
